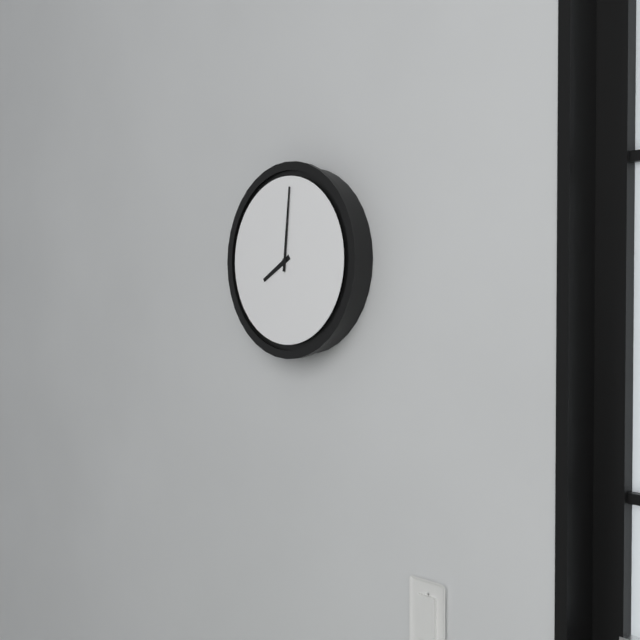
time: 8:01
